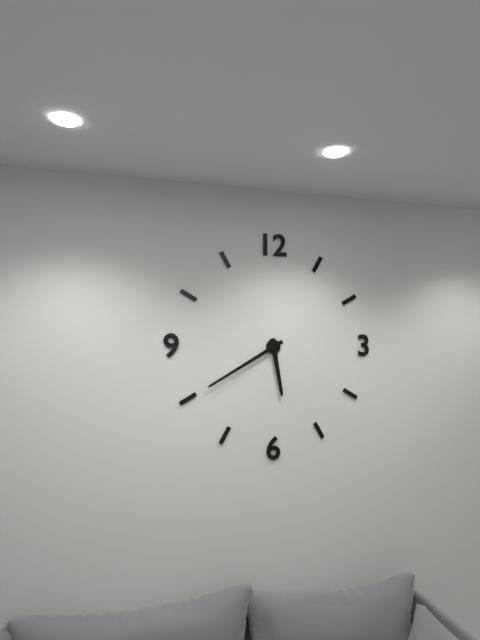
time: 5:40
